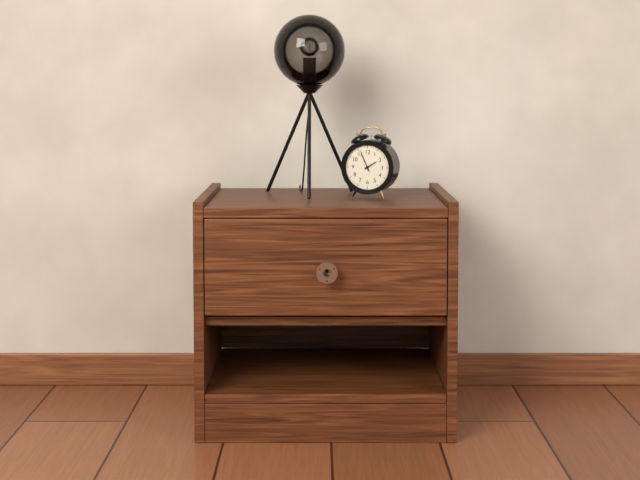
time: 1:56
